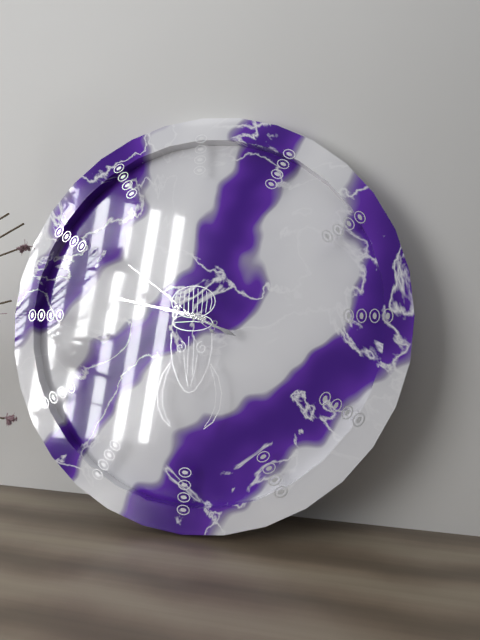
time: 3:47:51
